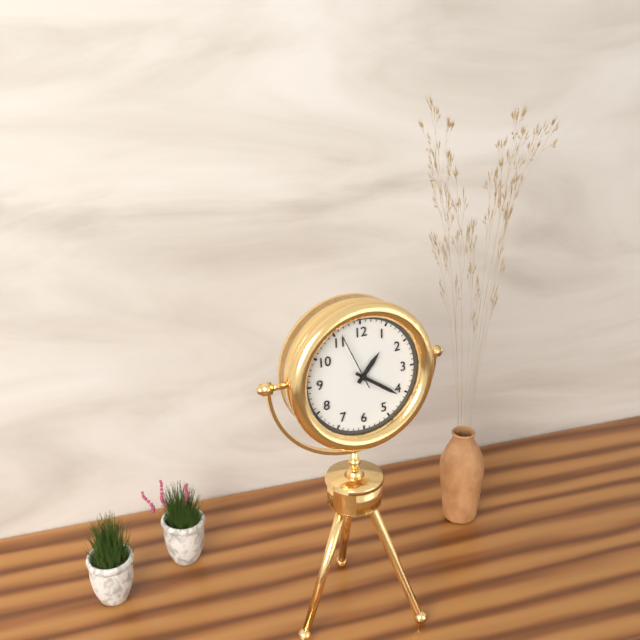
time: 1:21:56
